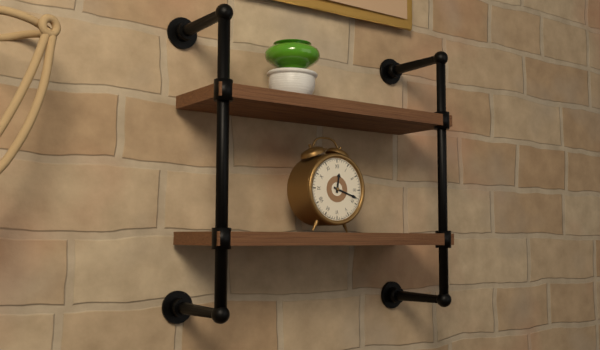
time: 12:18
